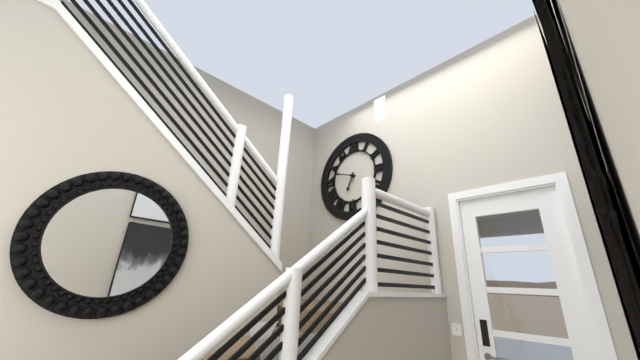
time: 6:48
